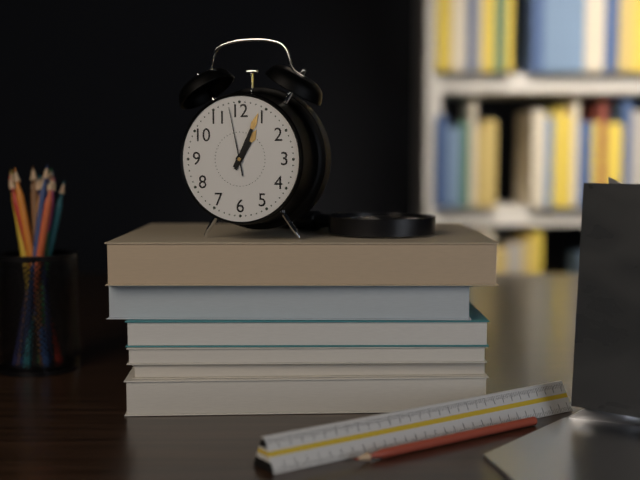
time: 1:04:58
